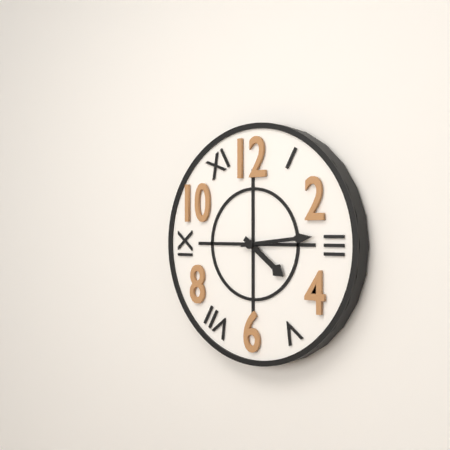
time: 4:14
